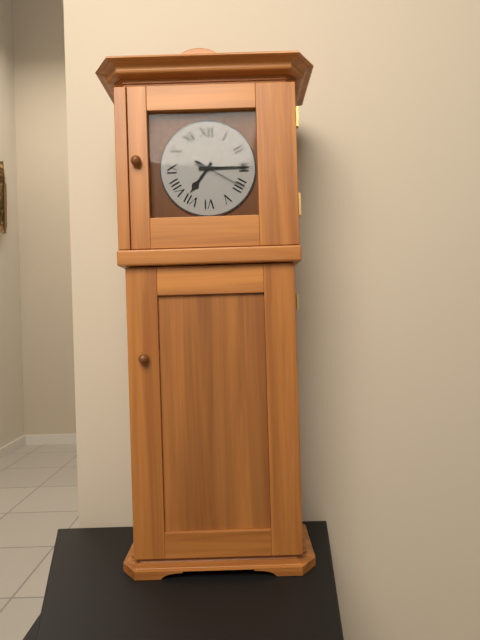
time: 7:15:20
